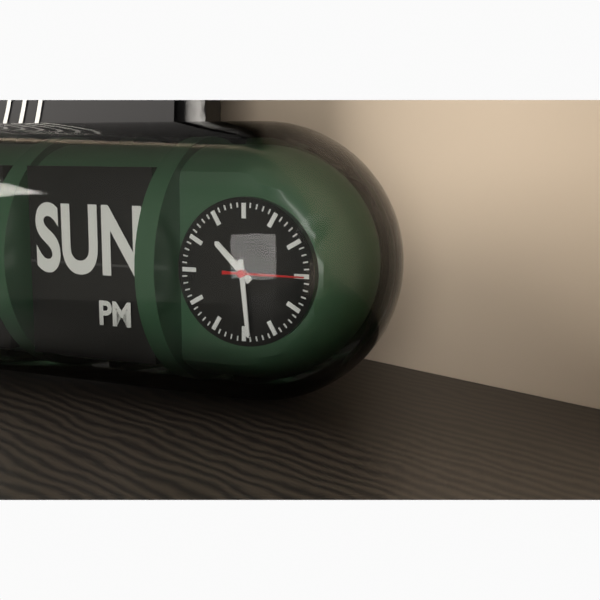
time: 10:29:15
